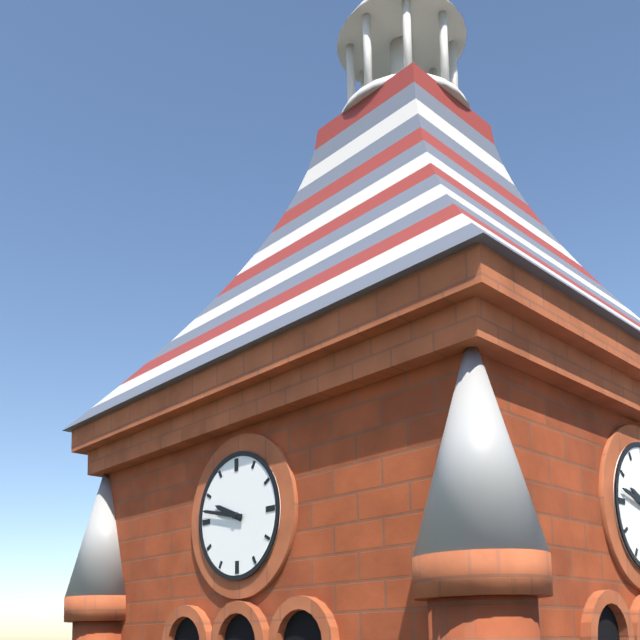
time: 9:47
